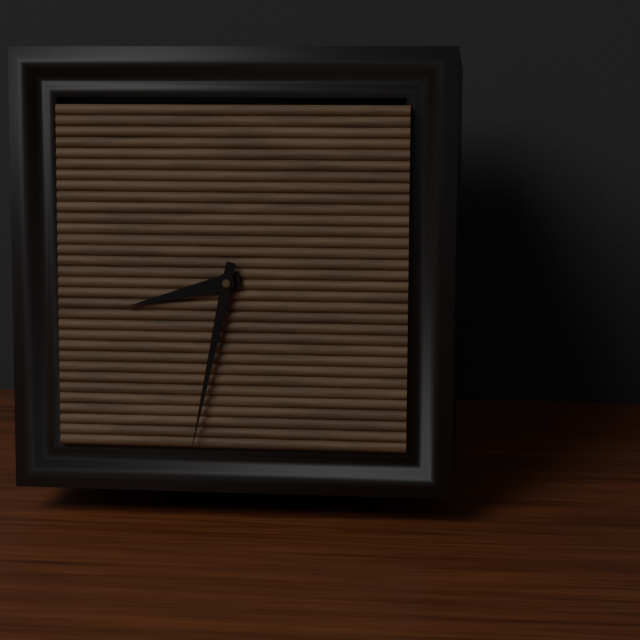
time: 8:32
